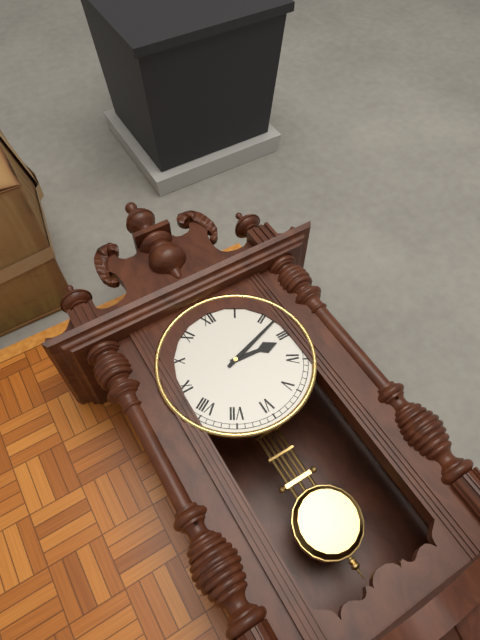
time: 3:12
